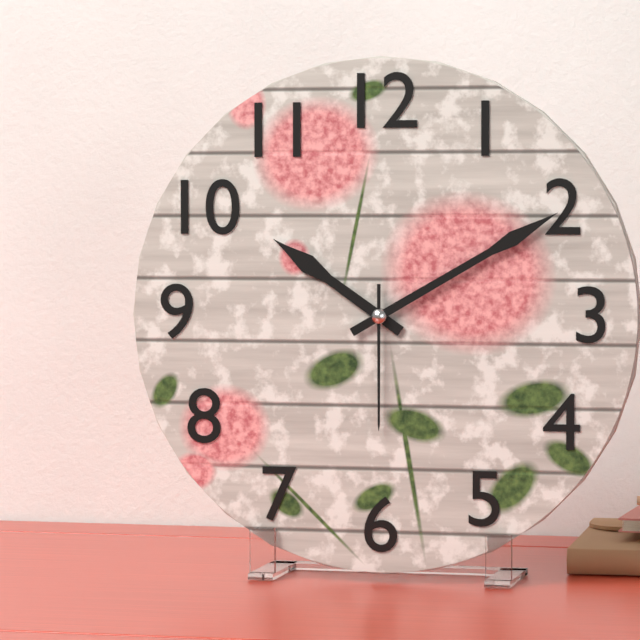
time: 10:10:30
